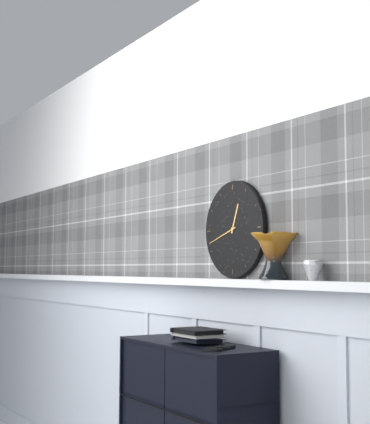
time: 12:42
